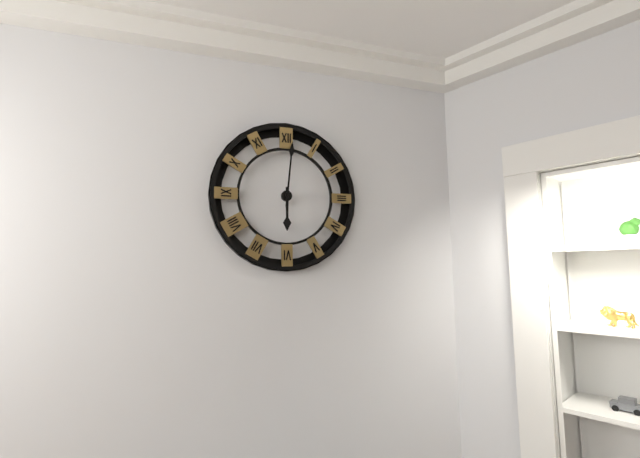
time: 6:01
